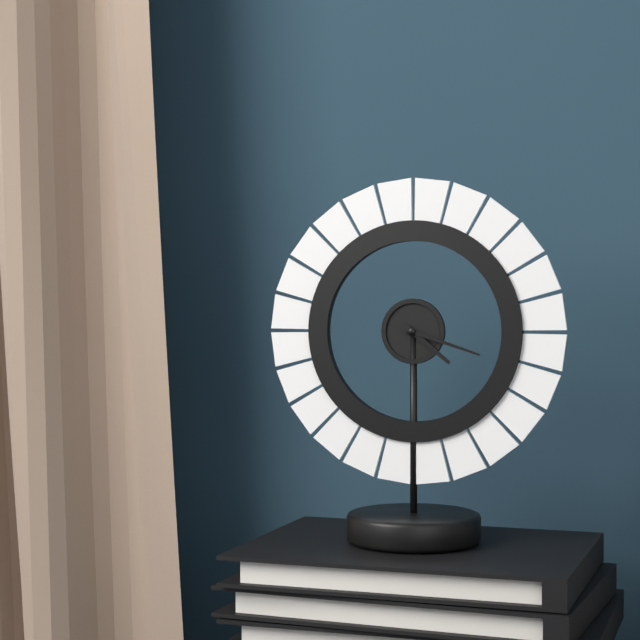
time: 4:18
